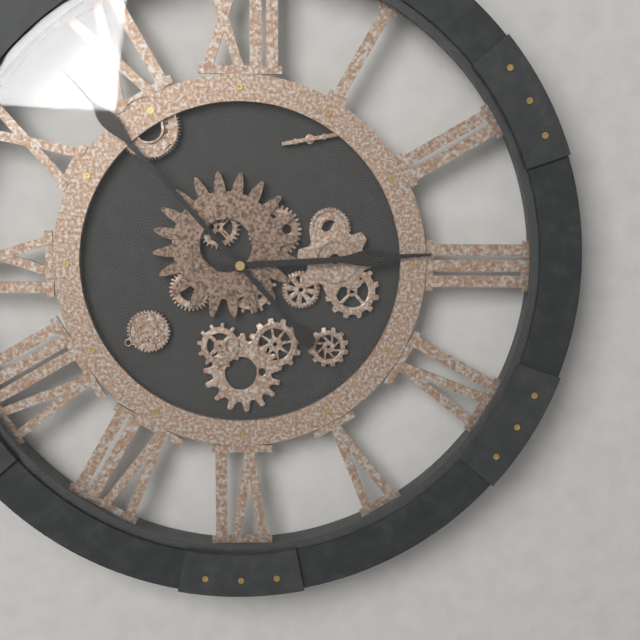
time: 2:53
